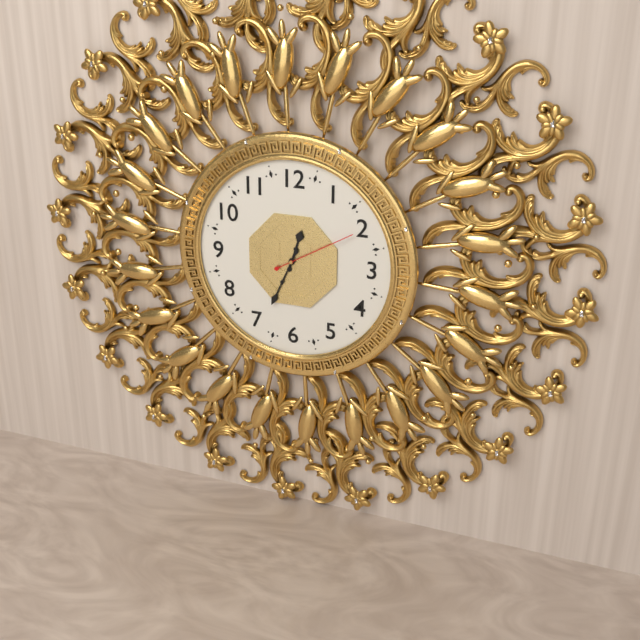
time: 12:34:10
